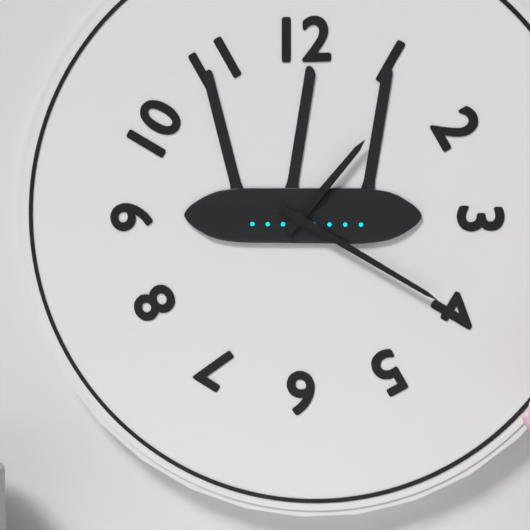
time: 1:20
